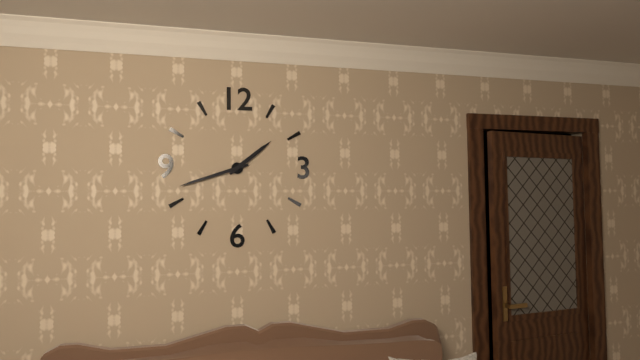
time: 1:42
